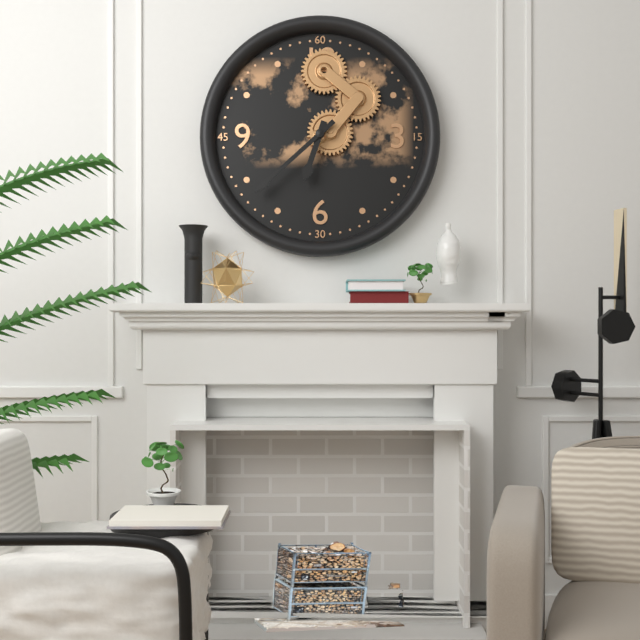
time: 6:38
